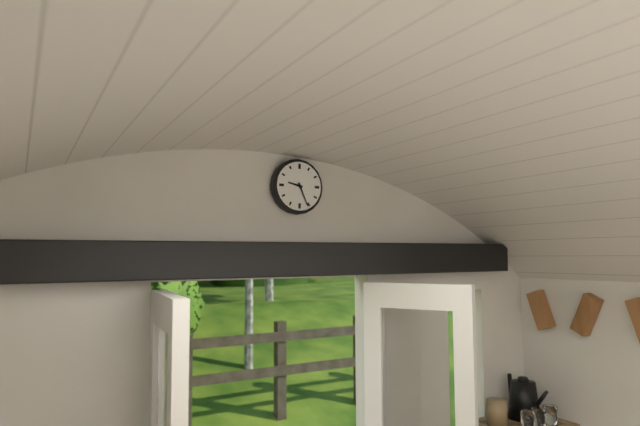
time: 9:26
